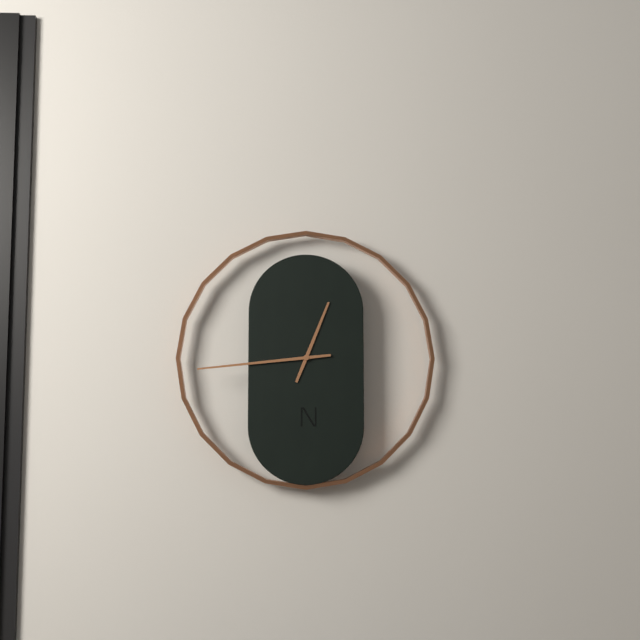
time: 12:44
